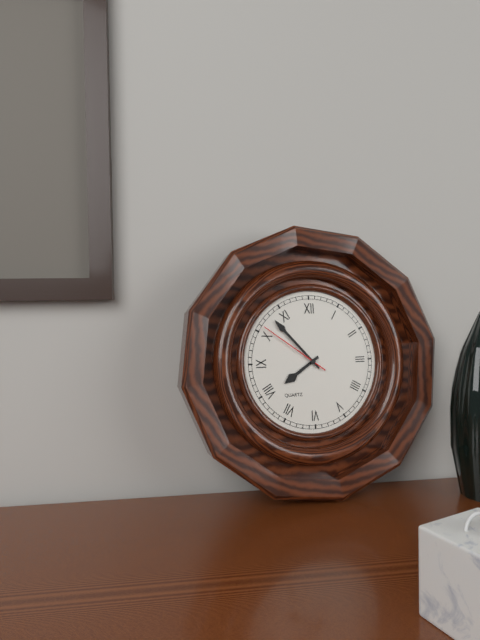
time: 7:53:51
